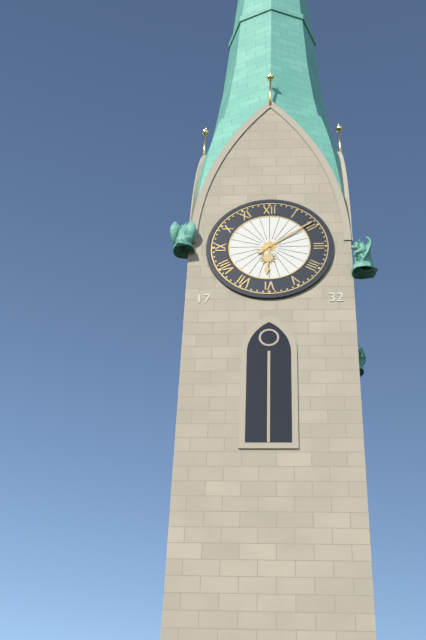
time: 6:09
